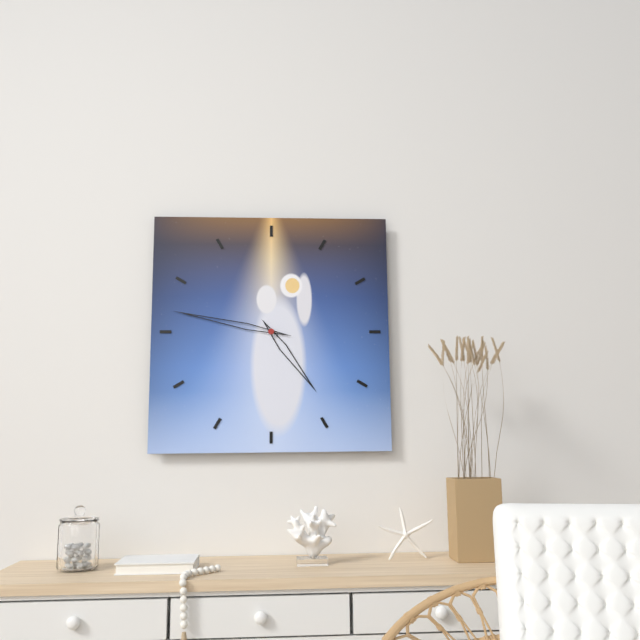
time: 4:47
